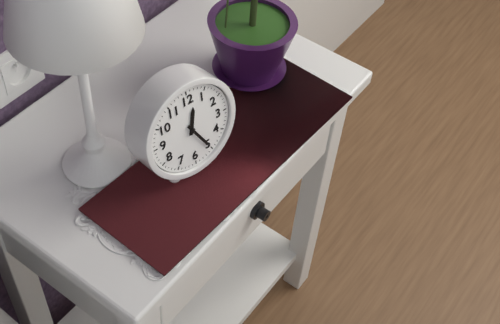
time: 12:25
